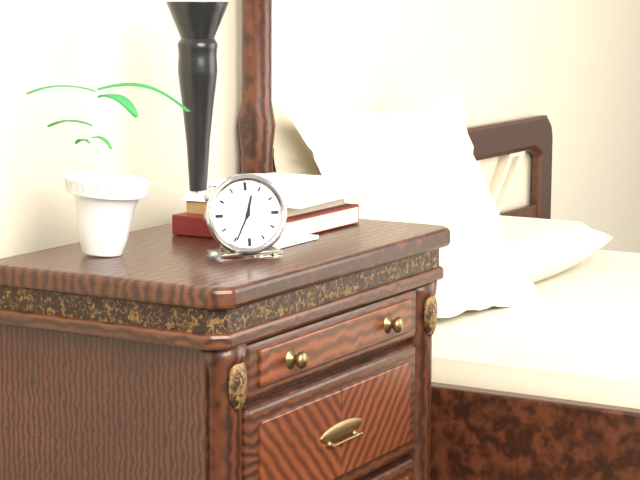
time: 12:35
